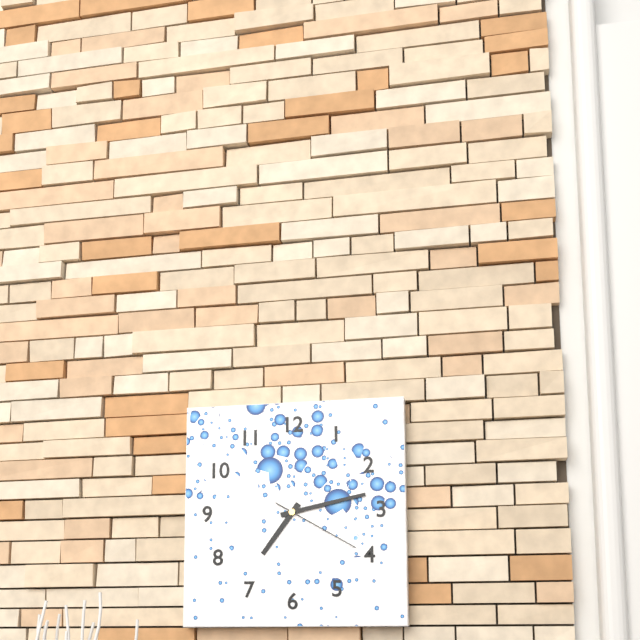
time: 7:13:20
